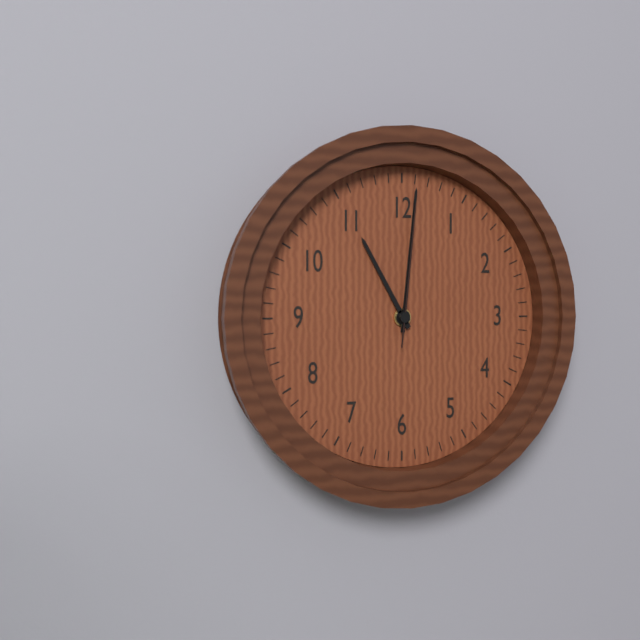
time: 11:01:01
